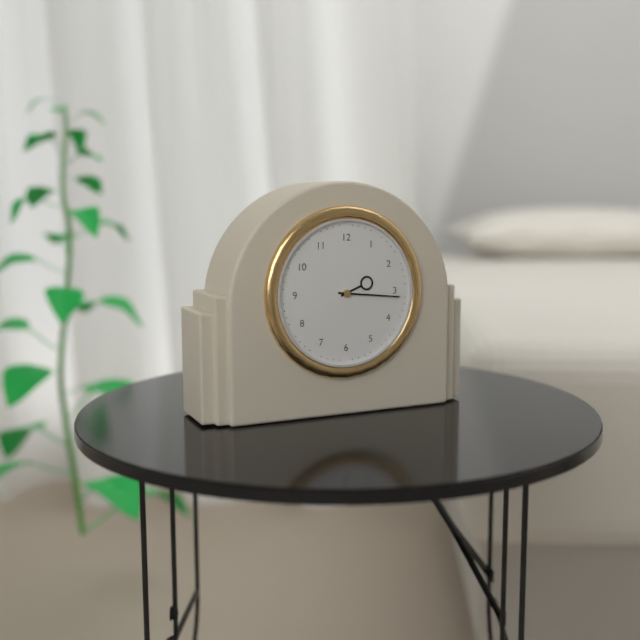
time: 2:16
